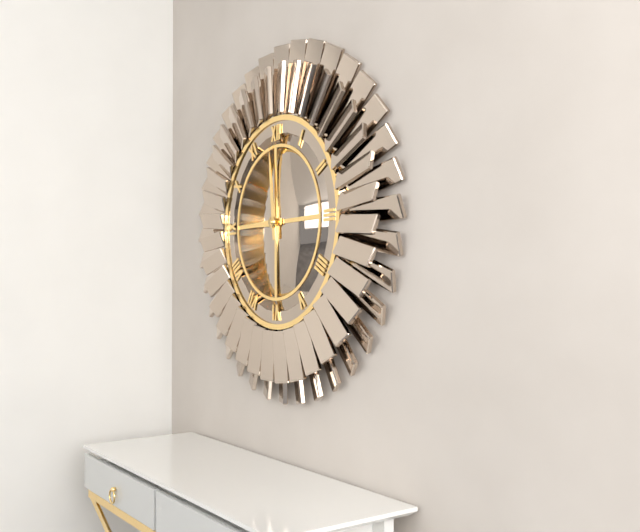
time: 8:59
